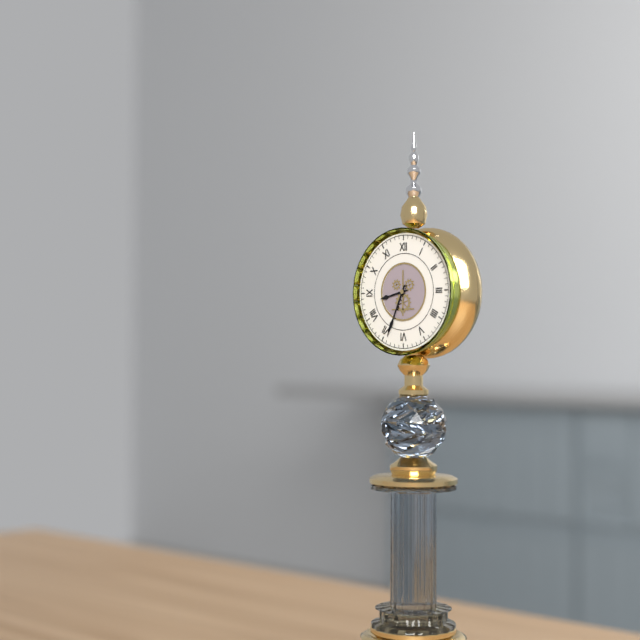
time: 8:34
